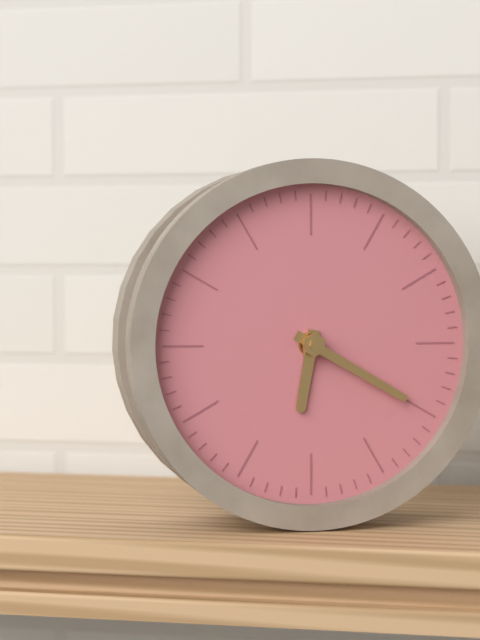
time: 6:20
